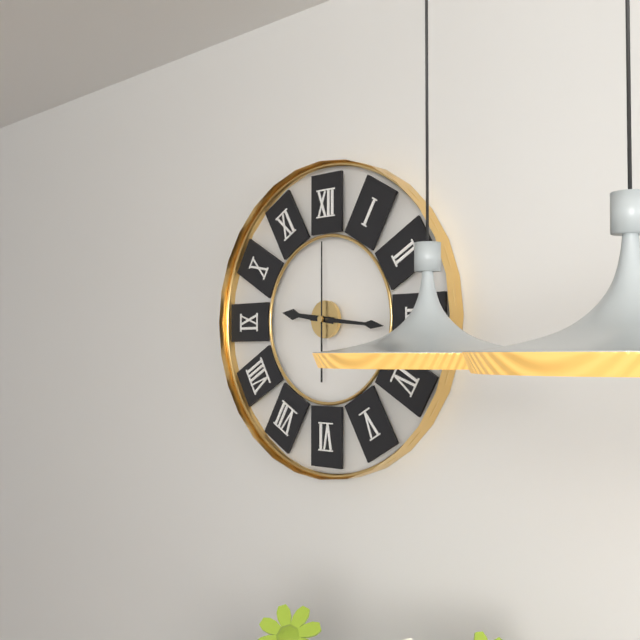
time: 9:16:00
